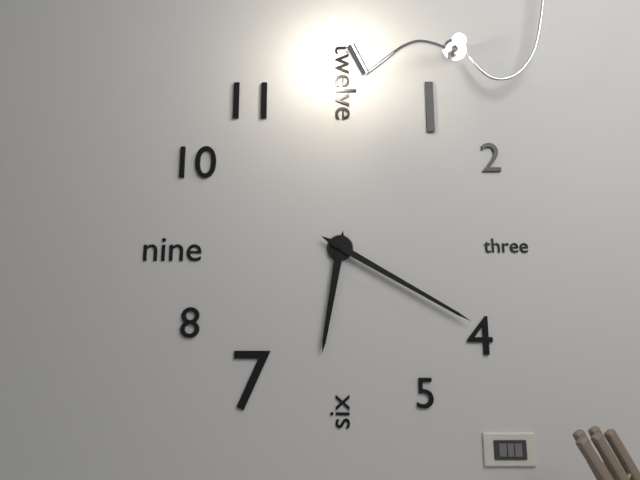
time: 6:20
